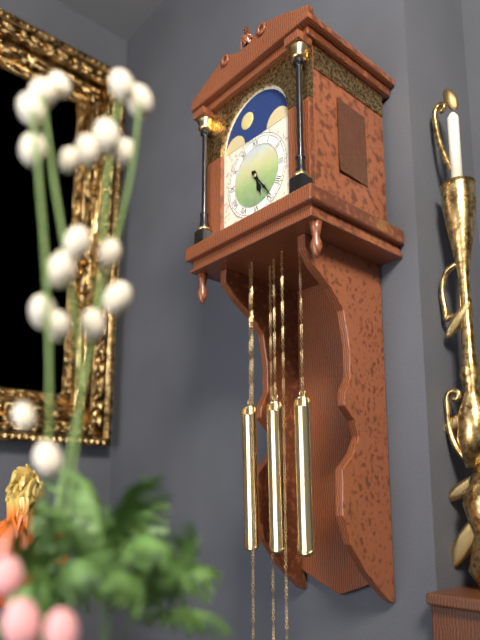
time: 5:24
